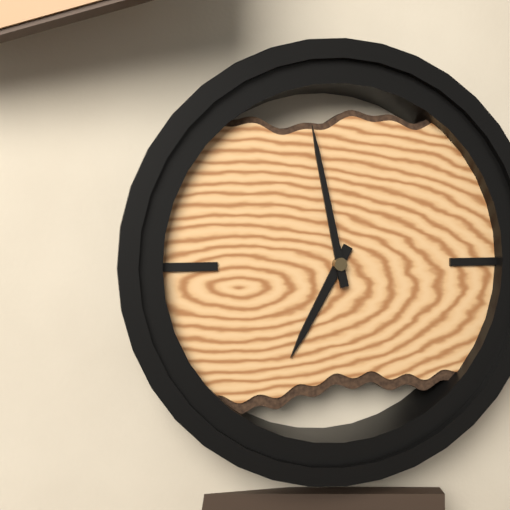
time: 6:58
